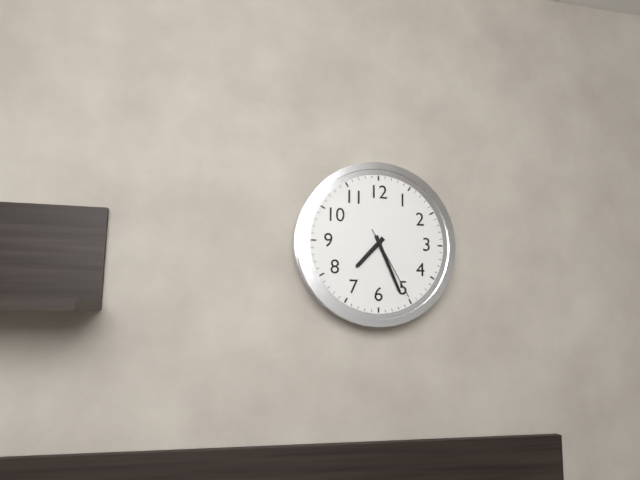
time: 7:26:25
